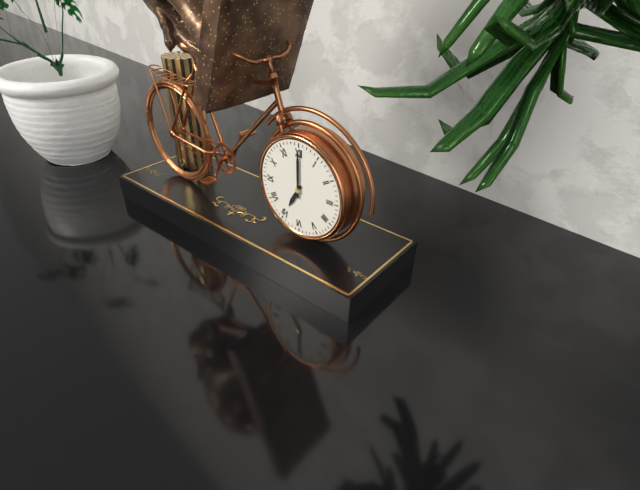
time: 7:00
